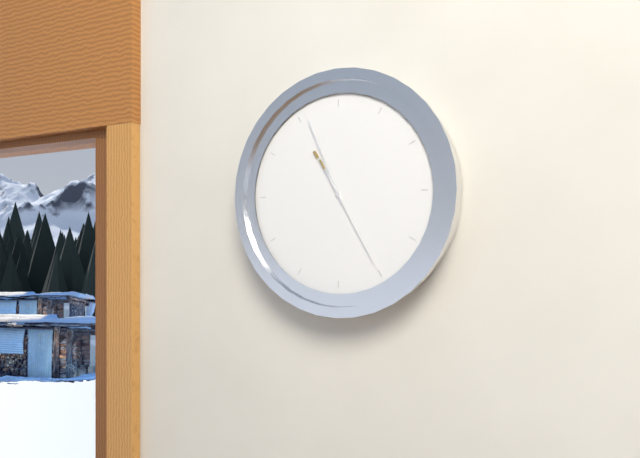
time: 10:56:25
